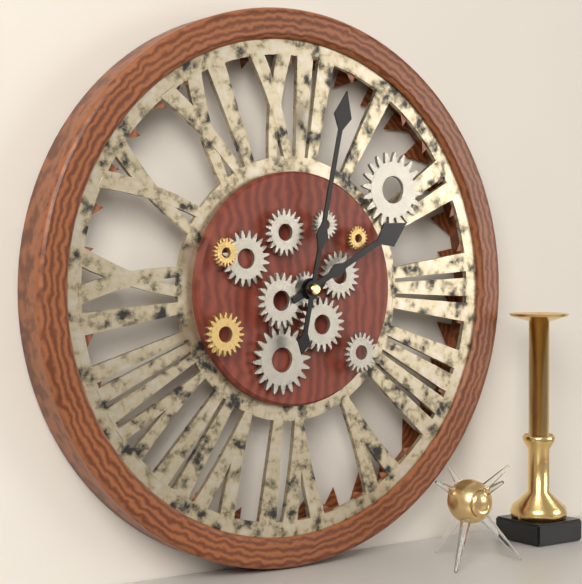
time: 2:02
